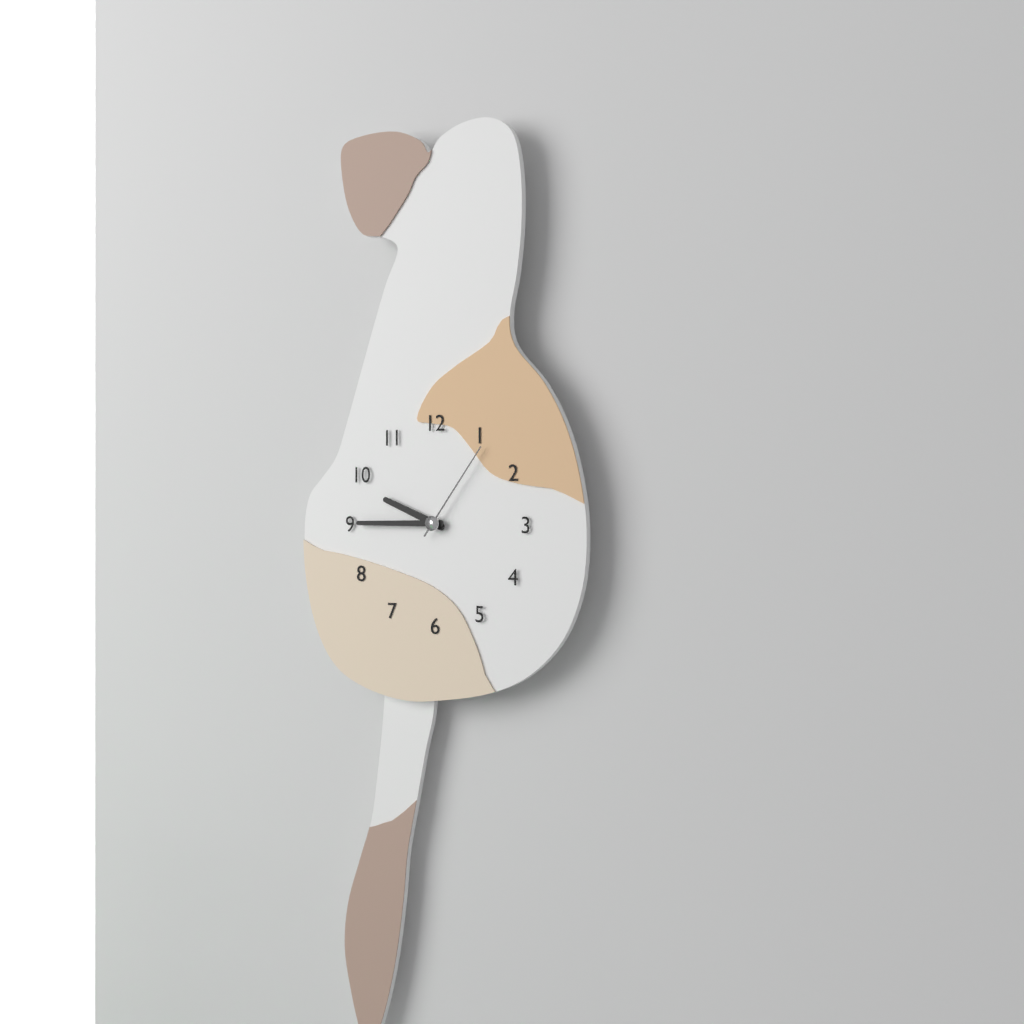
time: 9:45:06
